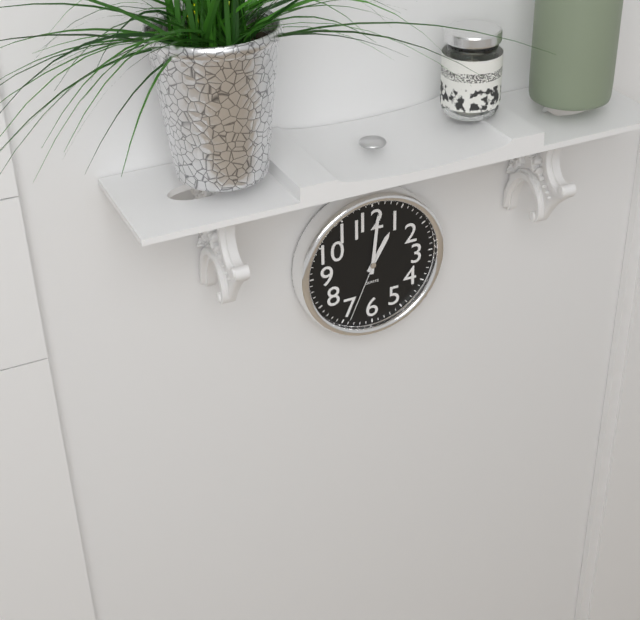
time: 1:01:34
